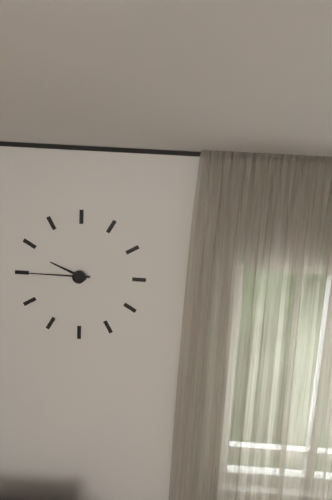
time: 9:45
